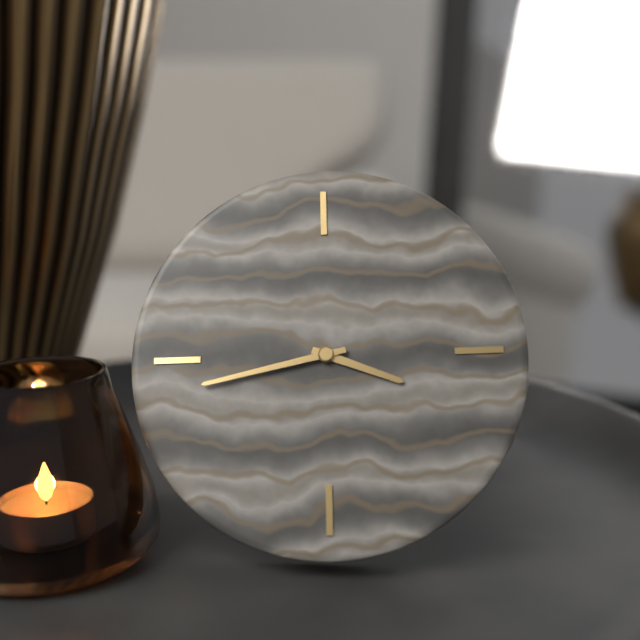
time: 3:43
